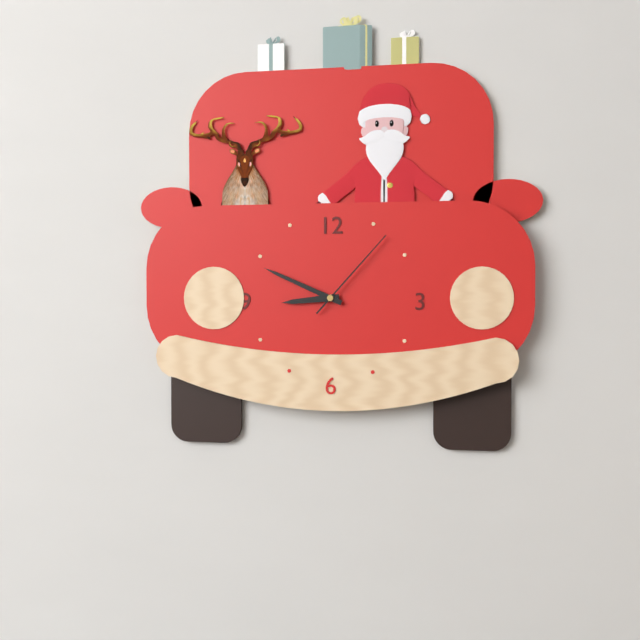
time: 8:49:07
